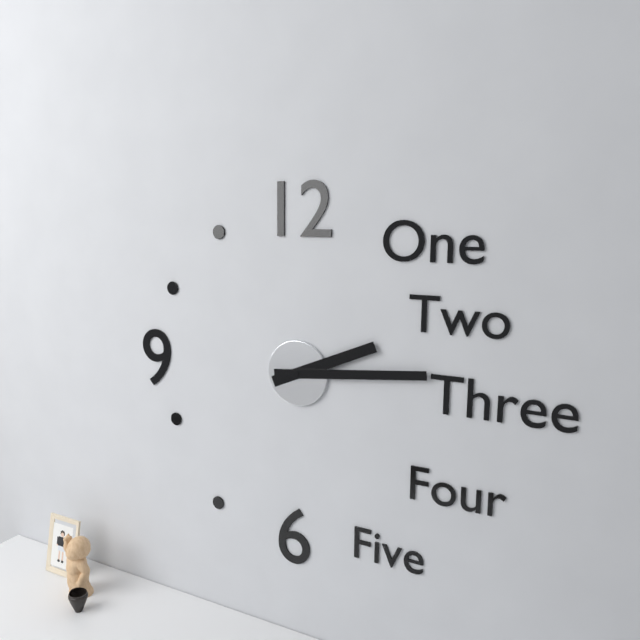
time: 2:14
